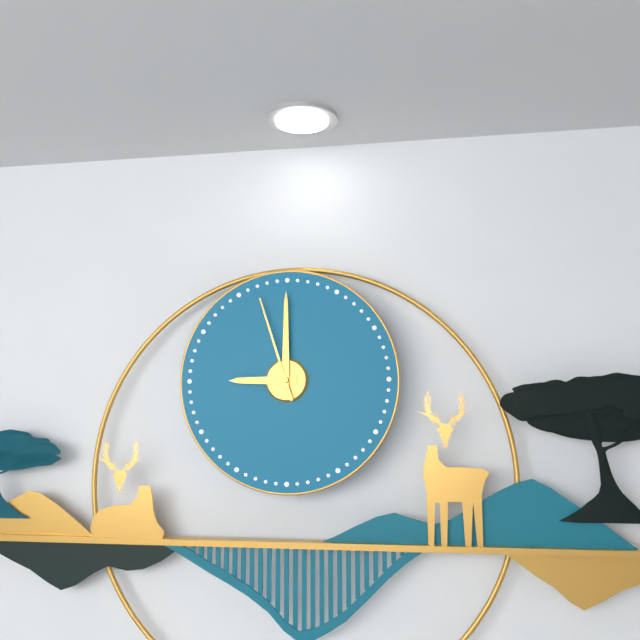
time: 9:00:57
